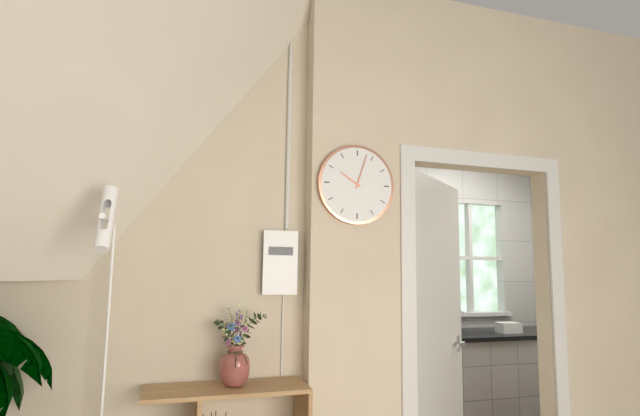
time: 10:03
